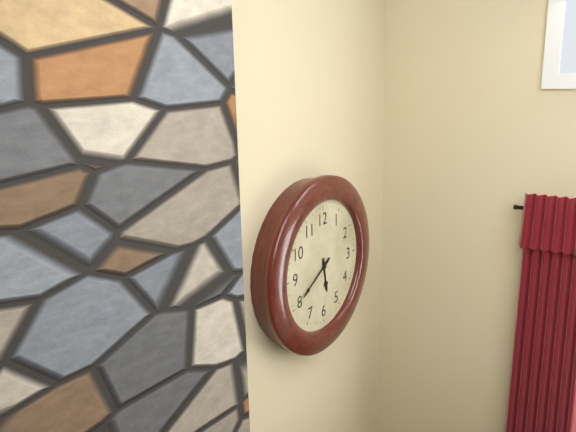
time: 5:40
